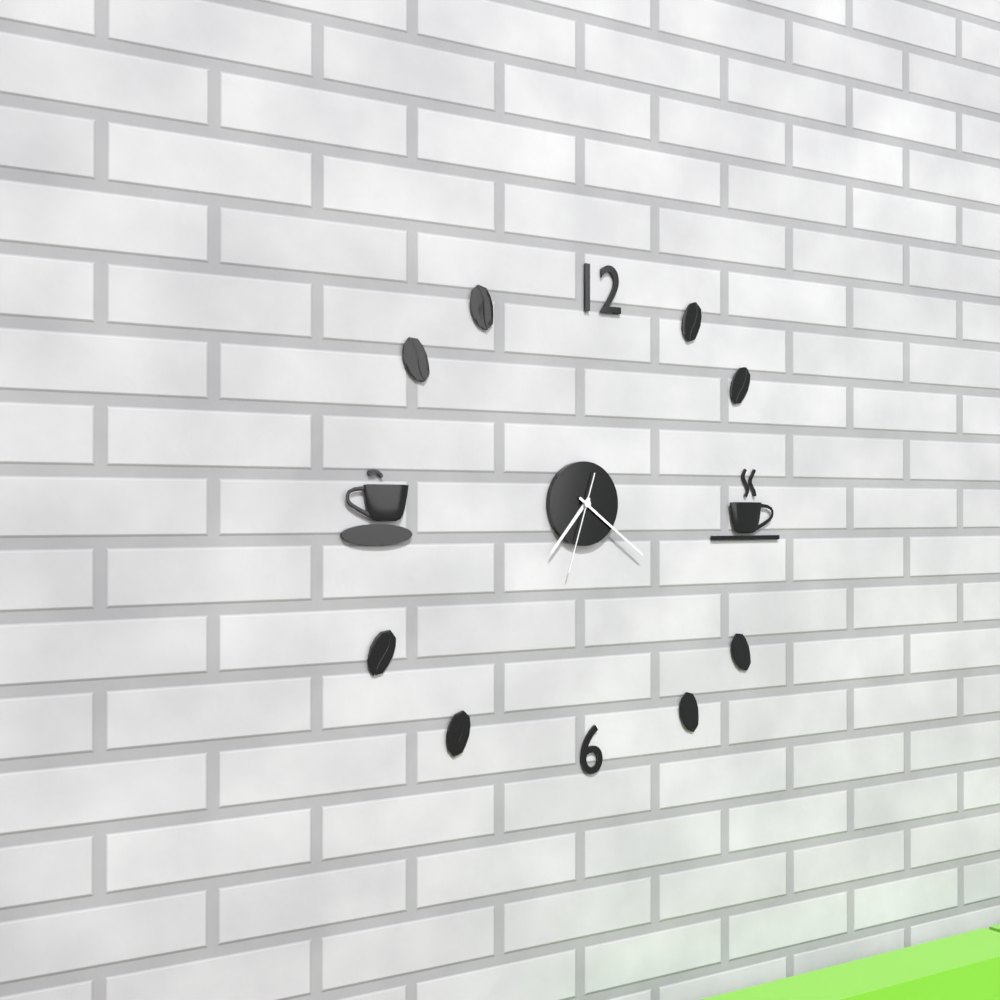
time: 7:21:33
